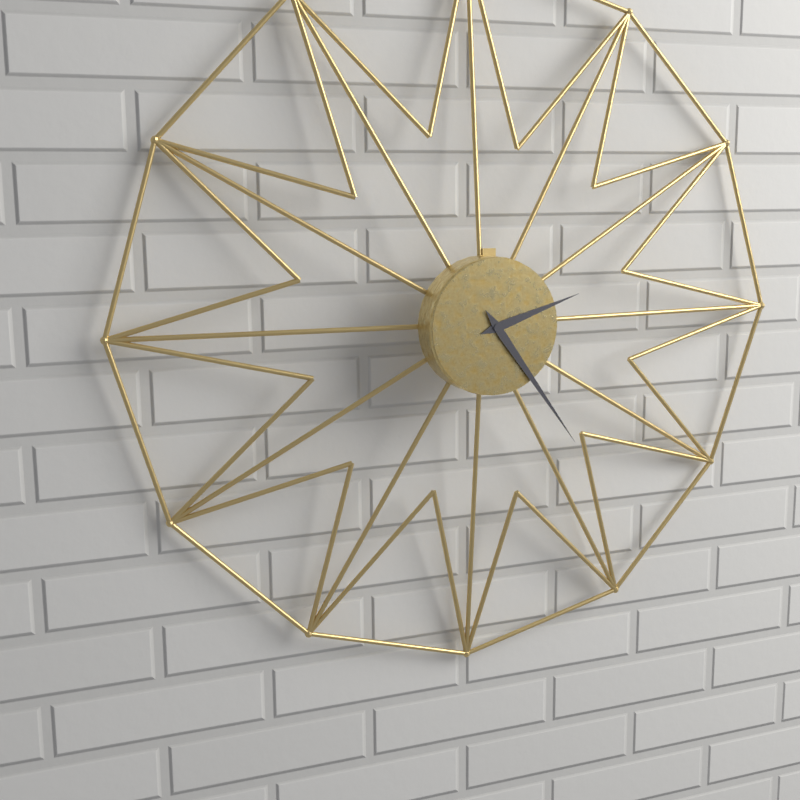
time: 2:24
